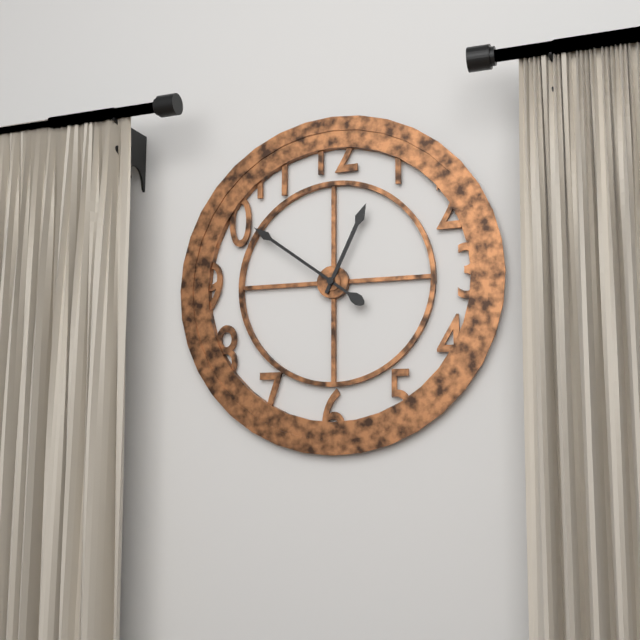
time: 12:51
